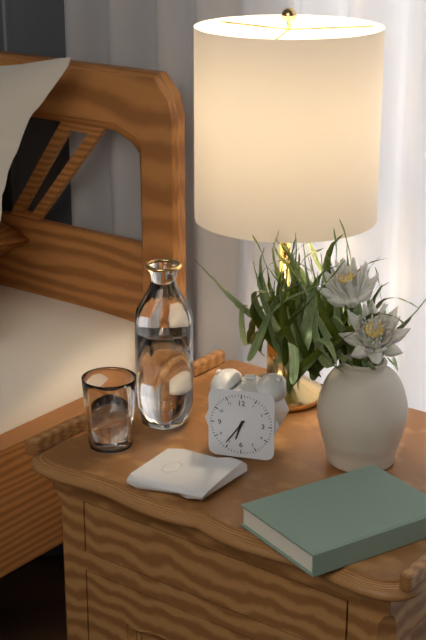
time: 6:36
